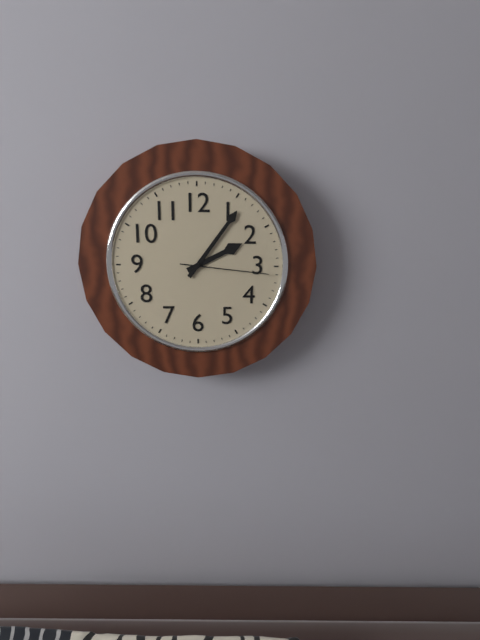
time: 2:06:16
